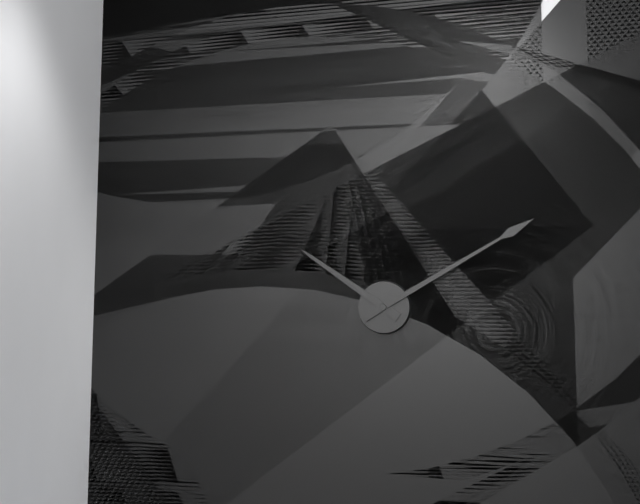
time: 10:10
